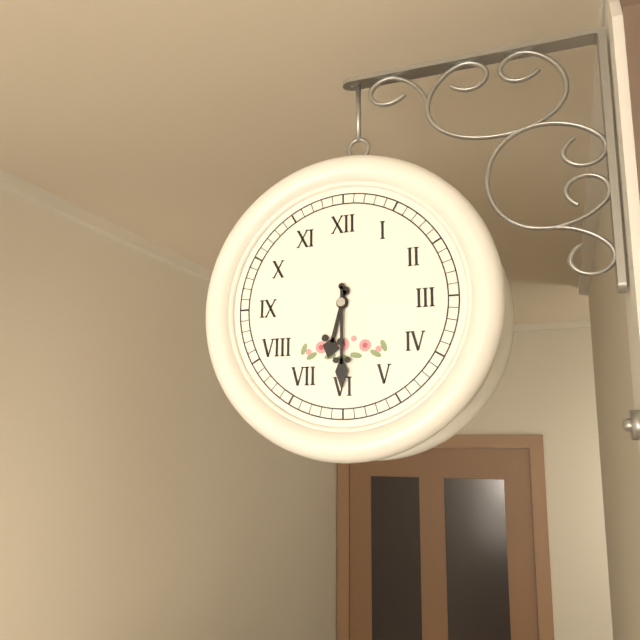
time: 6:30
